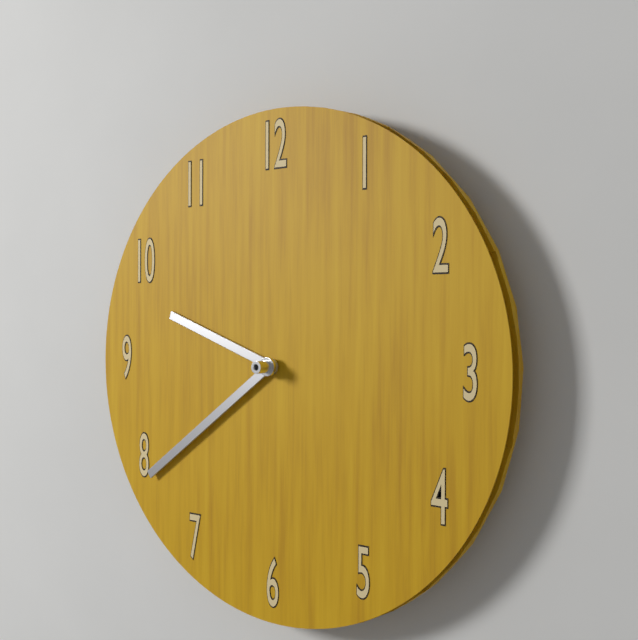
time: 9:39
